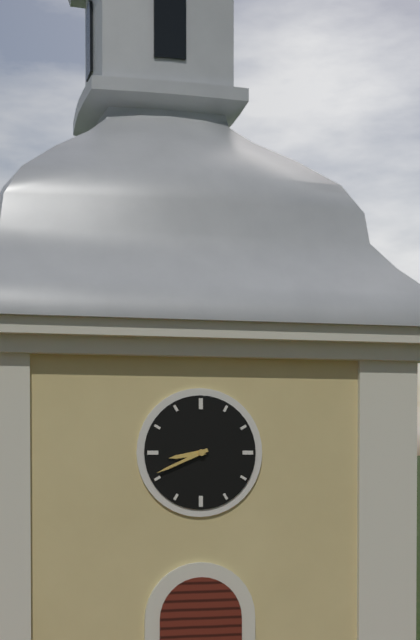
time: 8:41
